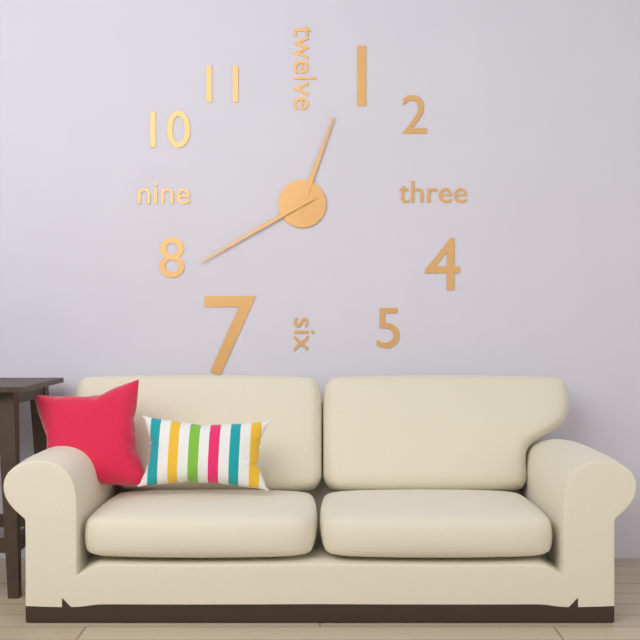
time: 12:40
